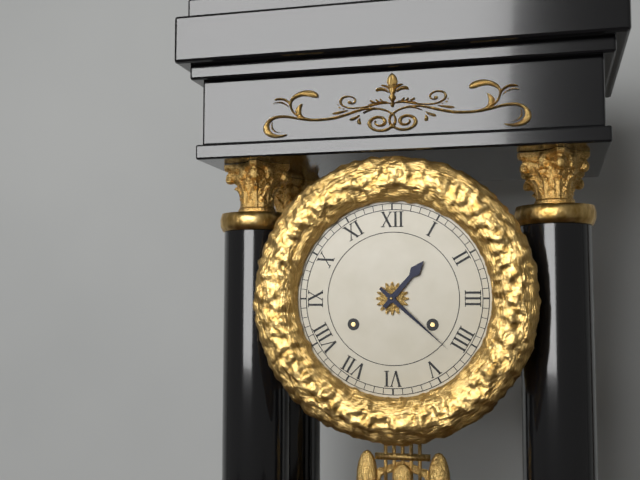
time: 1:22
